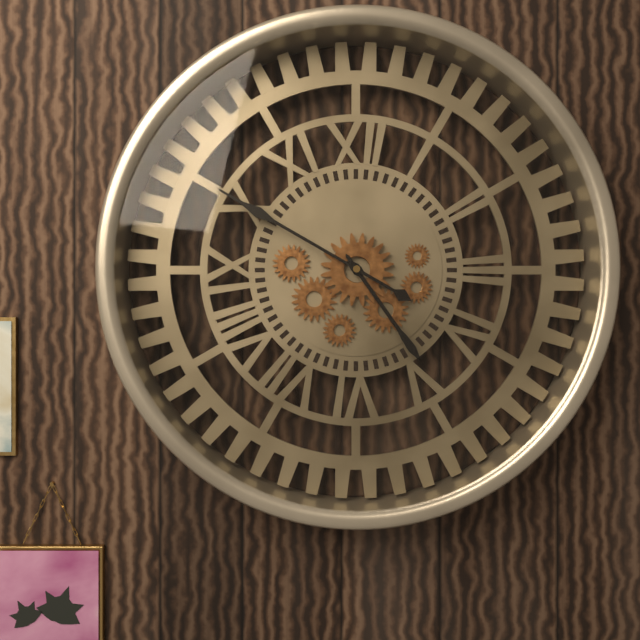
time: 4:50
